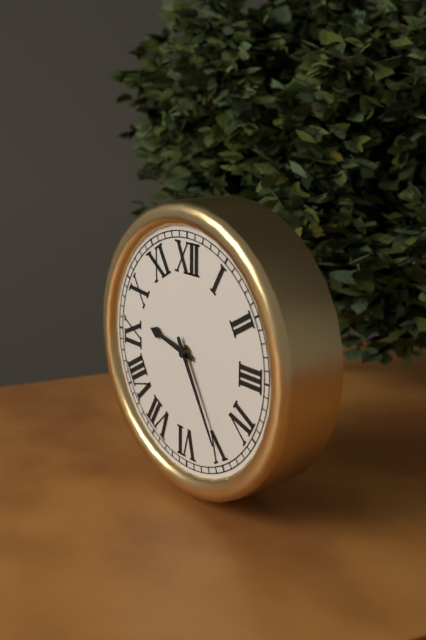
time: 9:25
